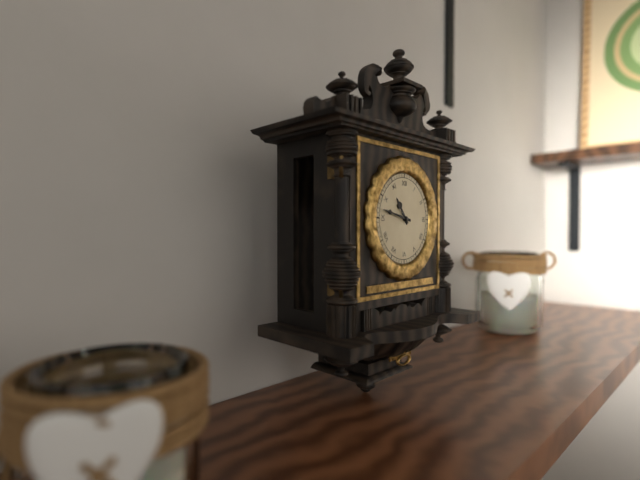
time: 10:47
